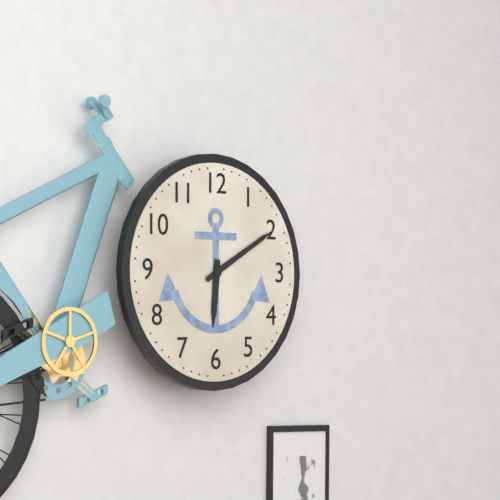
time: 6:10
